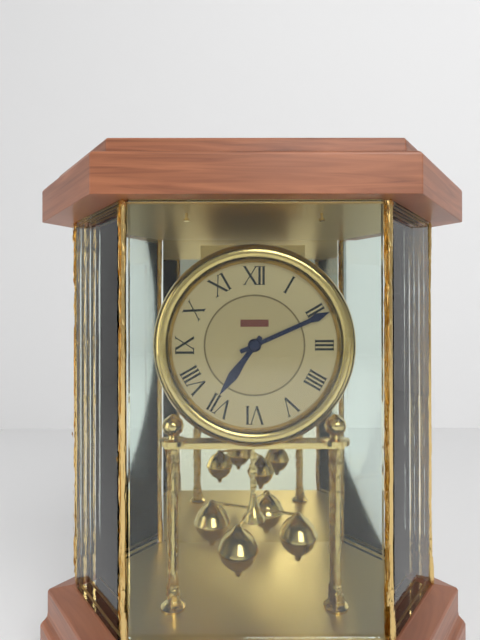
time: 7:11
